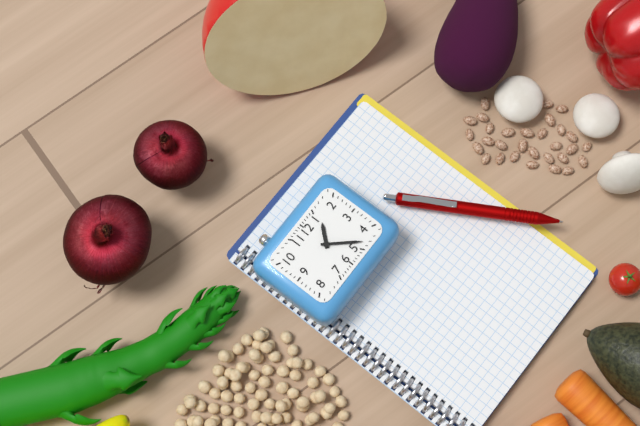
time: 1:23
